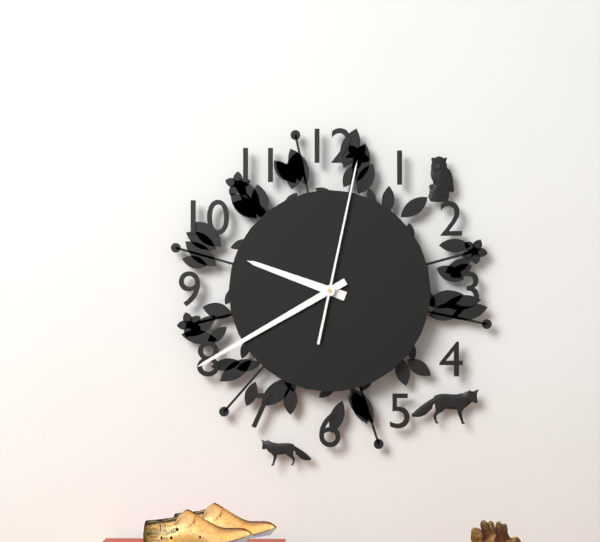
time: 9:40:02
